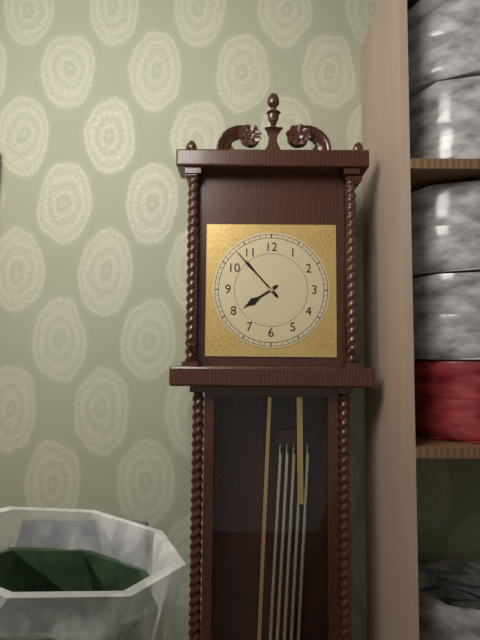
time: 7:53
